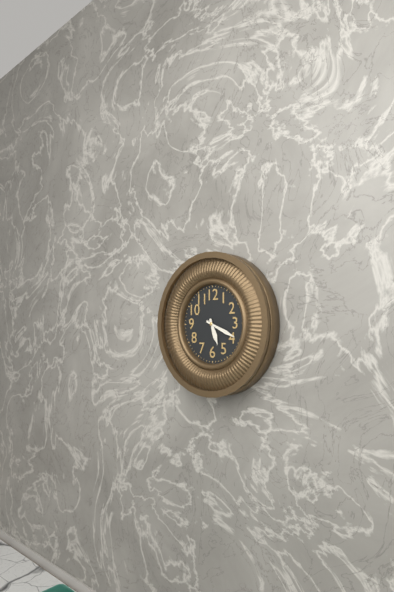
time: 5:19
